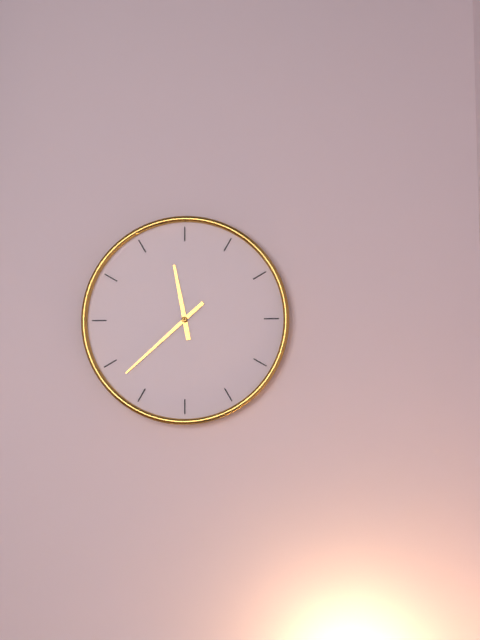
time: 11:38
